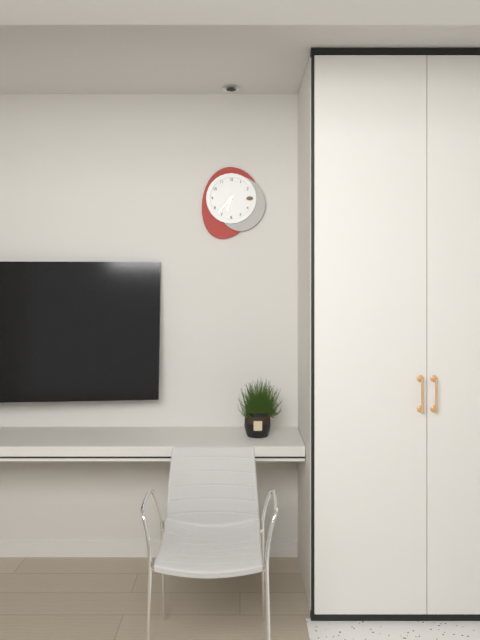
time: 6:37
